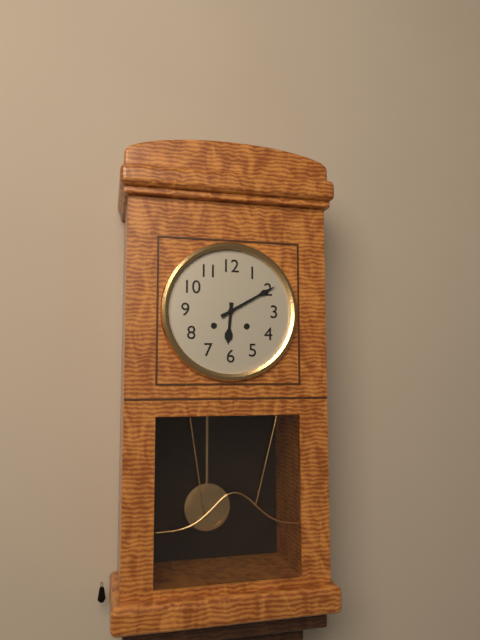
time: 6:10
